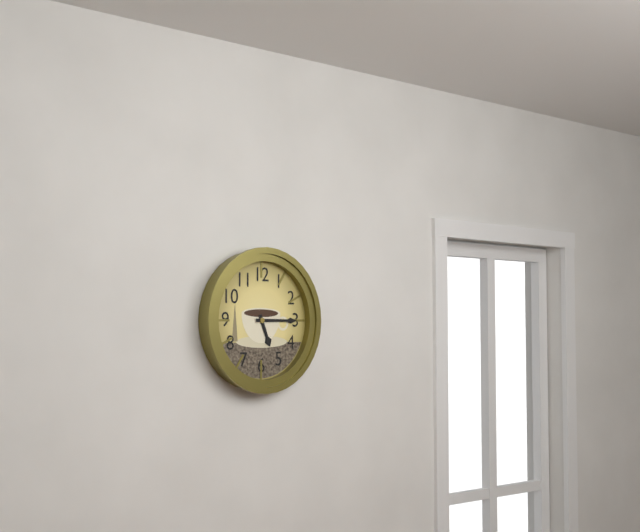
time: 5:15
